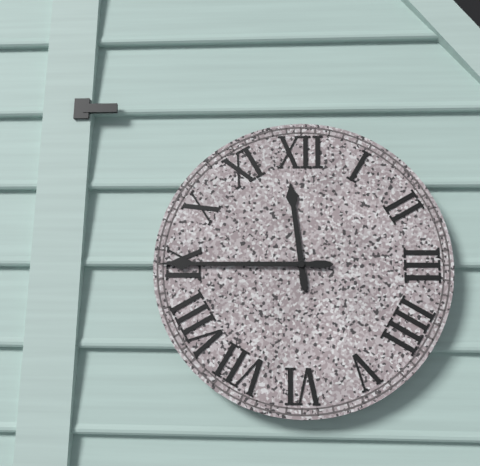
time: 11:45
